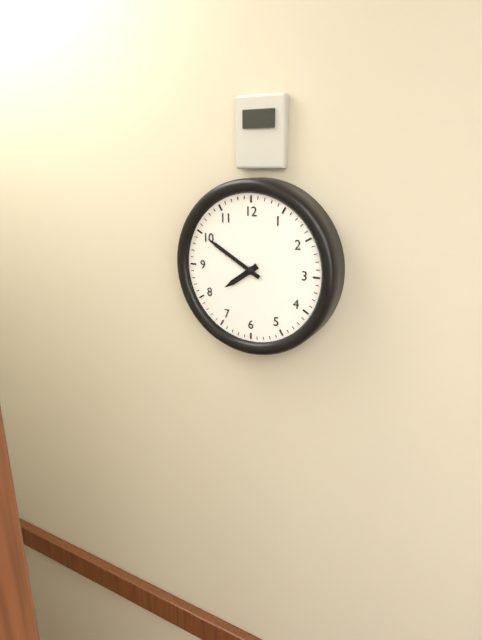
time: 7:50
